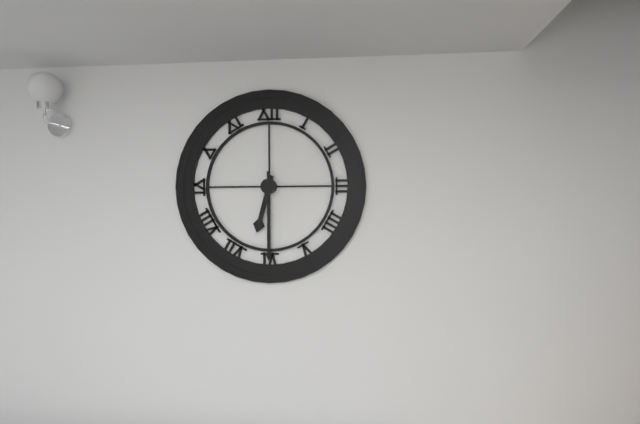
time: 6:30
